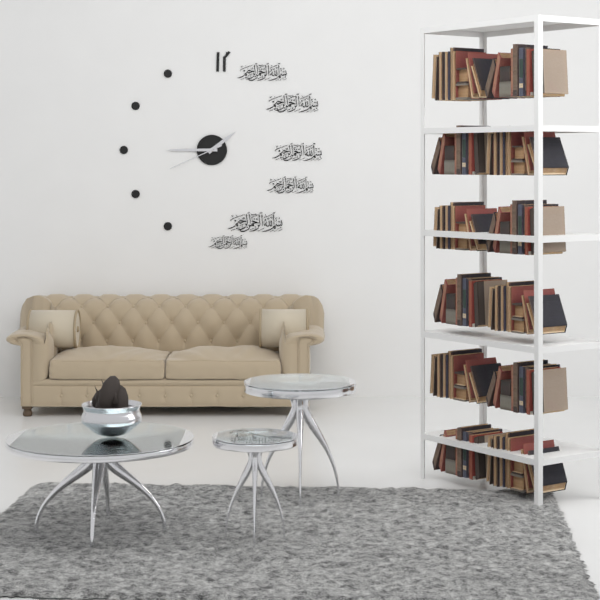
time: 1:45:41
